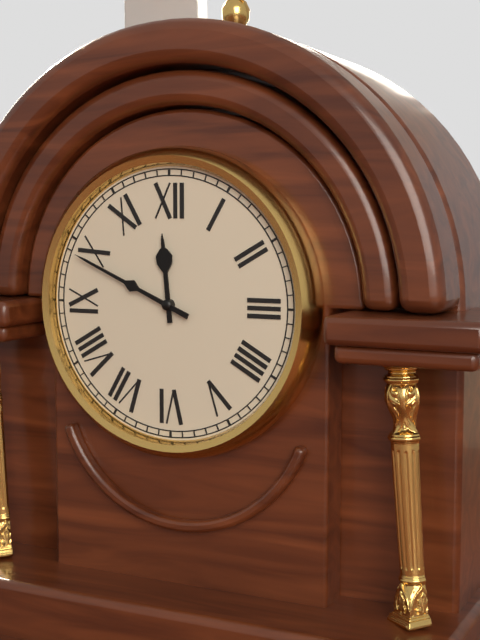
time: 11:49
